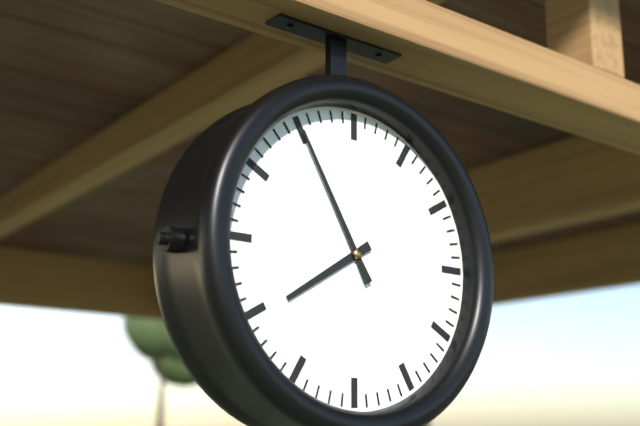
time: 7:55
